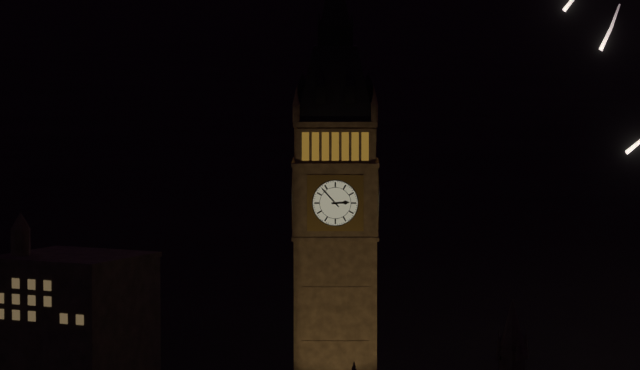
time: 2:53
